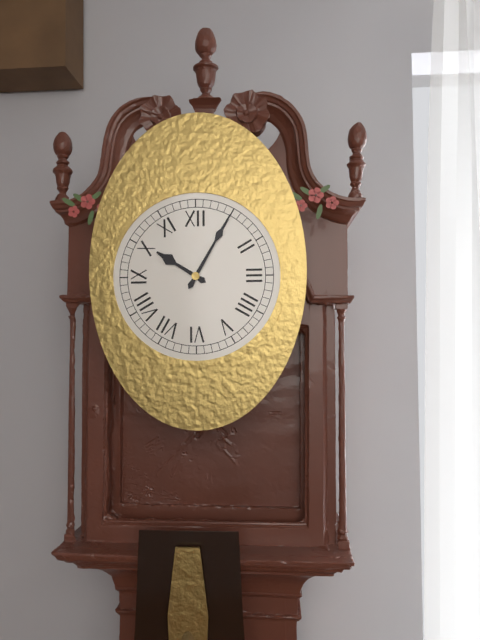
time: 10:05
